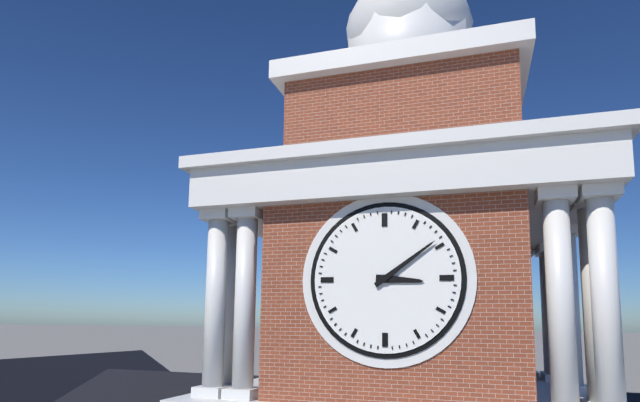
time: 3:09
